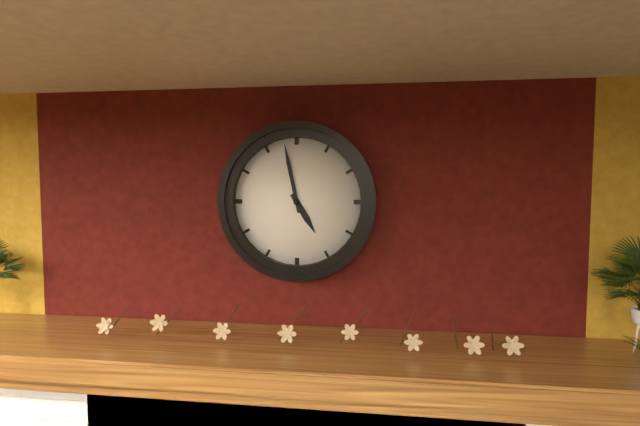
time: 4:58
